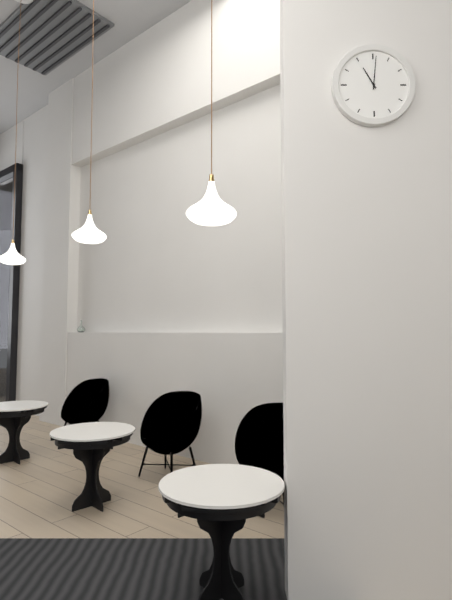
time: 11:01
